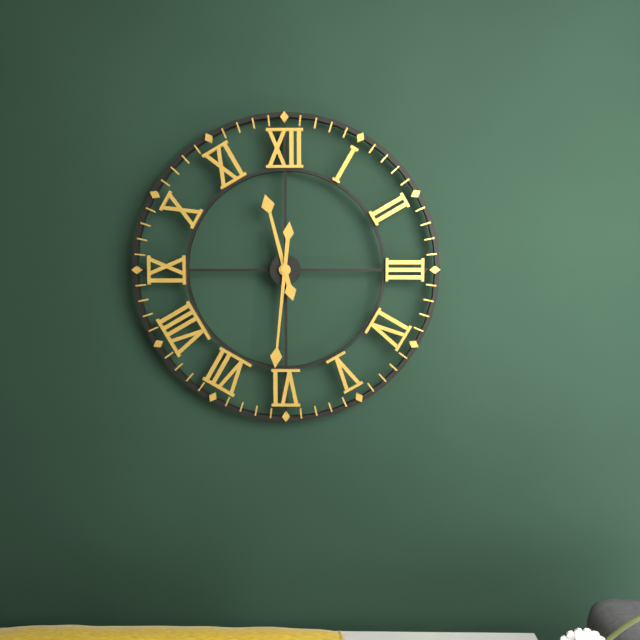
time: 11:31
